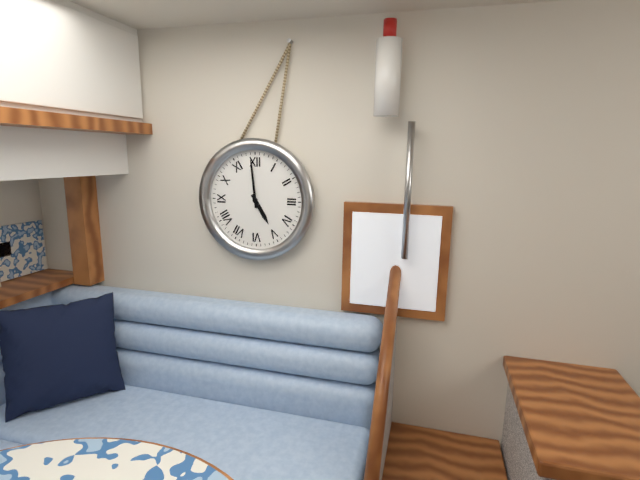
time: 4:59
